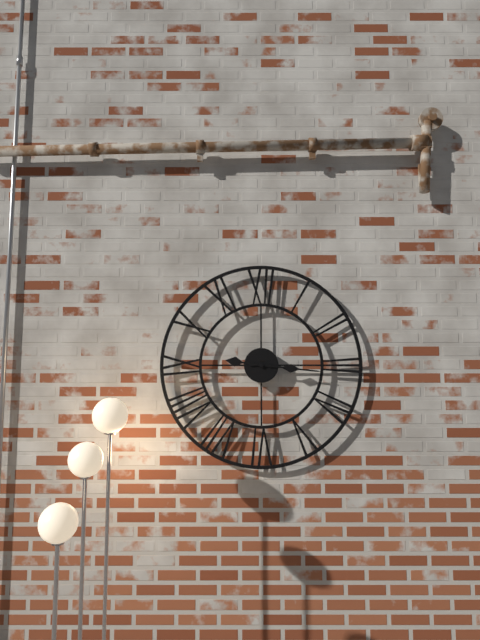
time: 9:16
